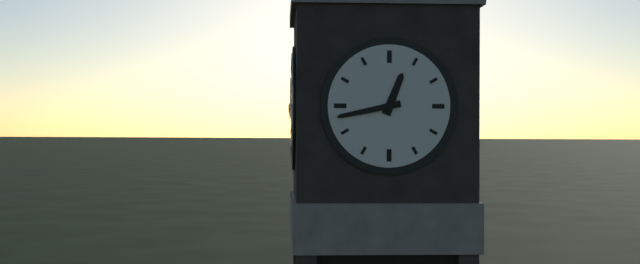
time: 12:43
